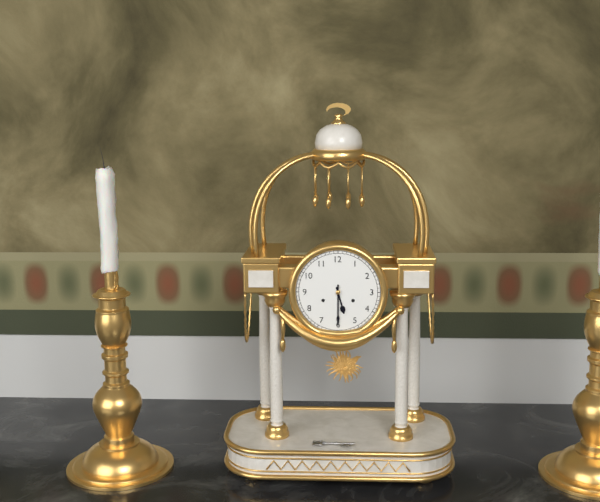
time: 5:30
